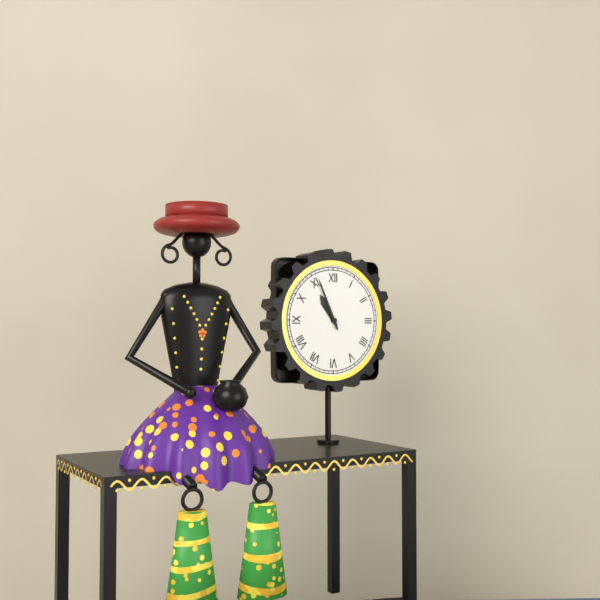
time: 10:56
